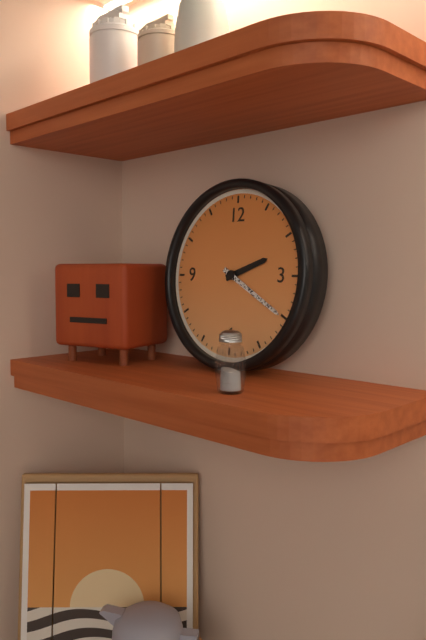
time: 2:20
